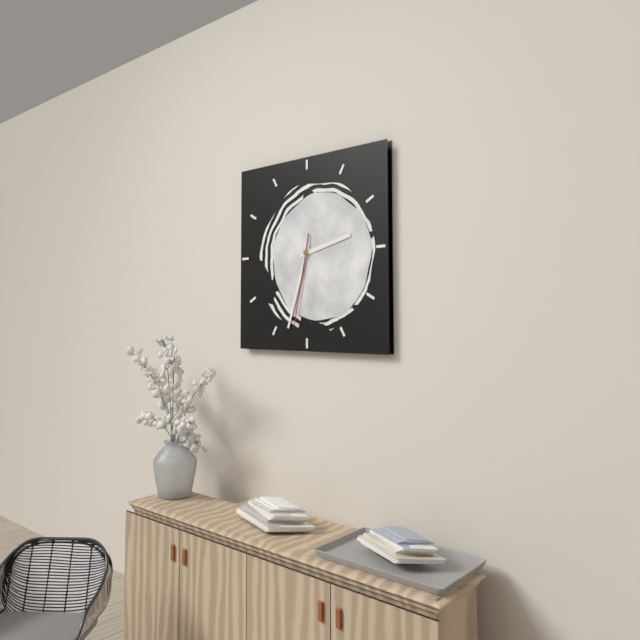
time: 2:33:32
